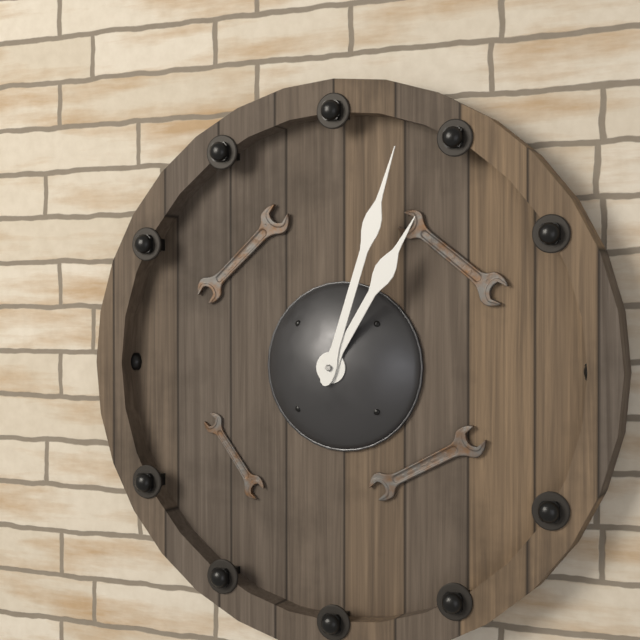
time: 1:03
